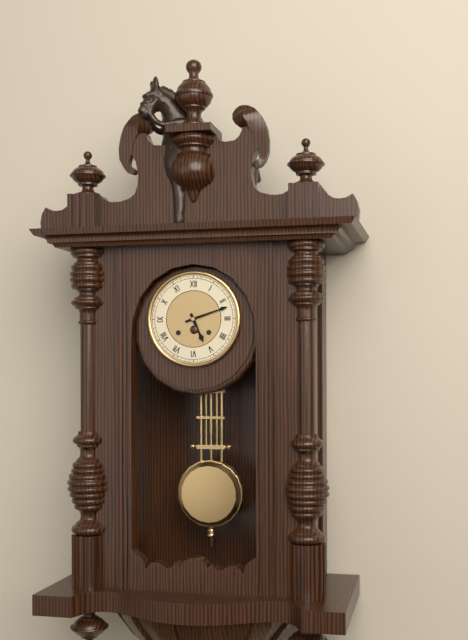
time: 5:12
